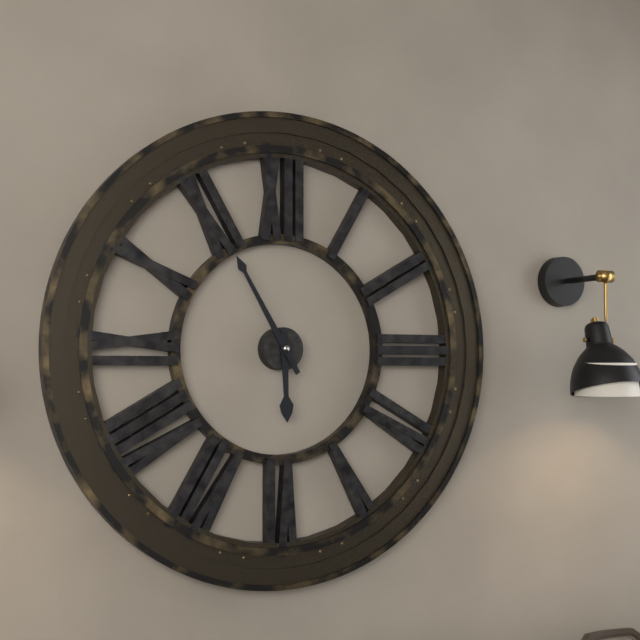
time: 5:55
